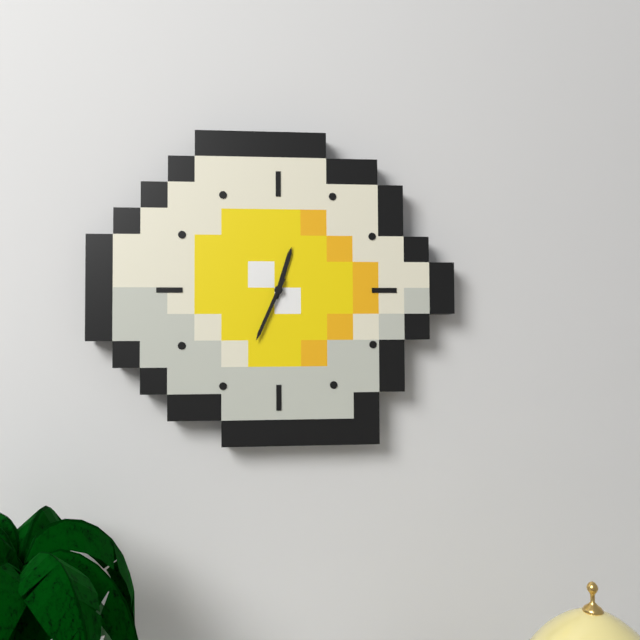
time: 12:34
